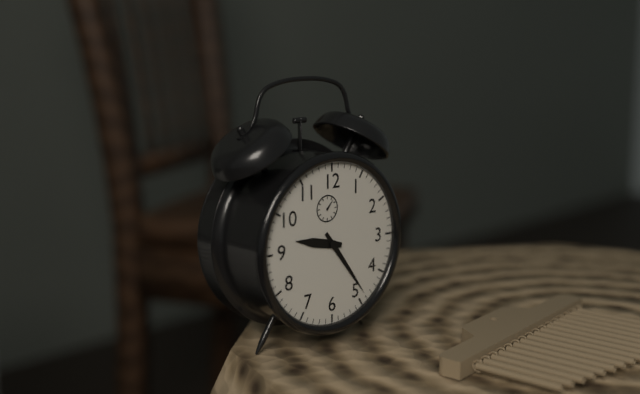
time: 9:24
